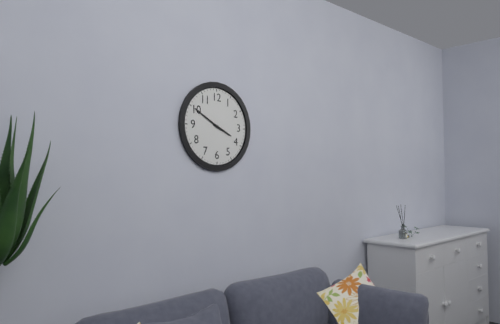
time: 3:50
